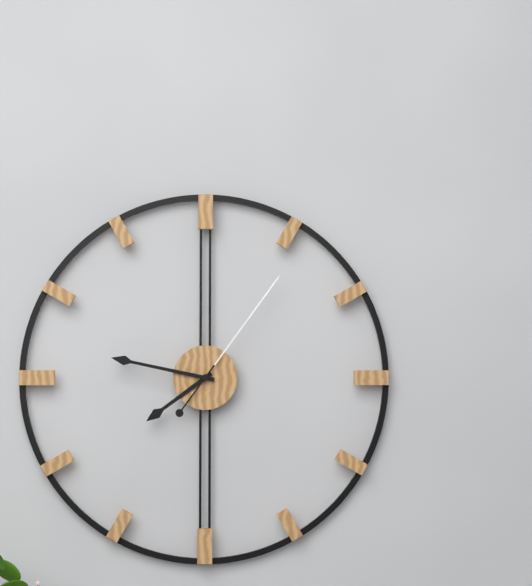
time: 7:47:06
